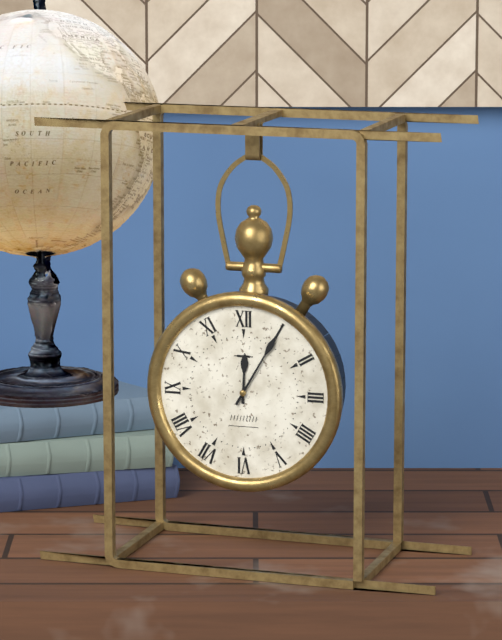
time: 12:05
